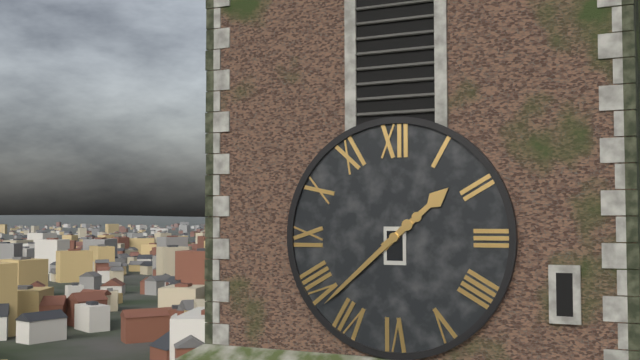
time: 1:38
